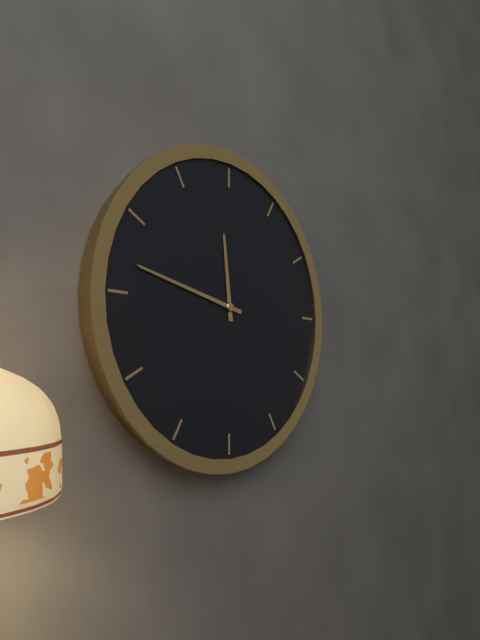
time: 11:47
